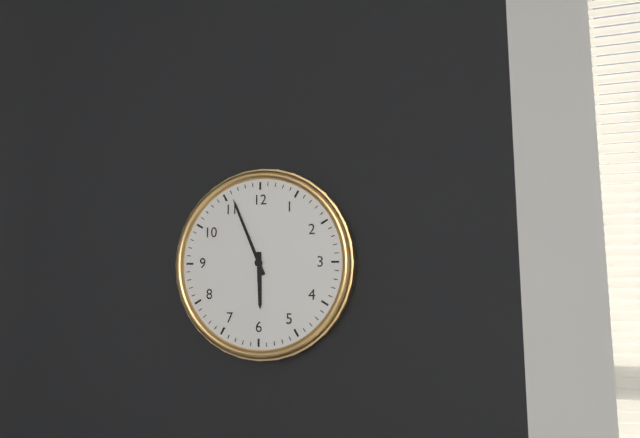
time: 5:56
